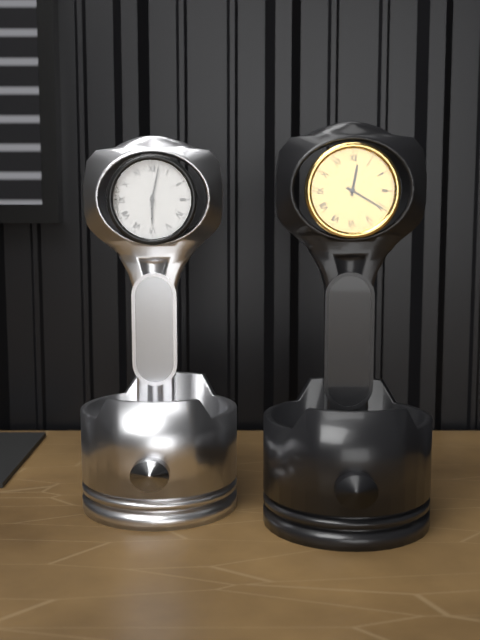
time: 6:02
